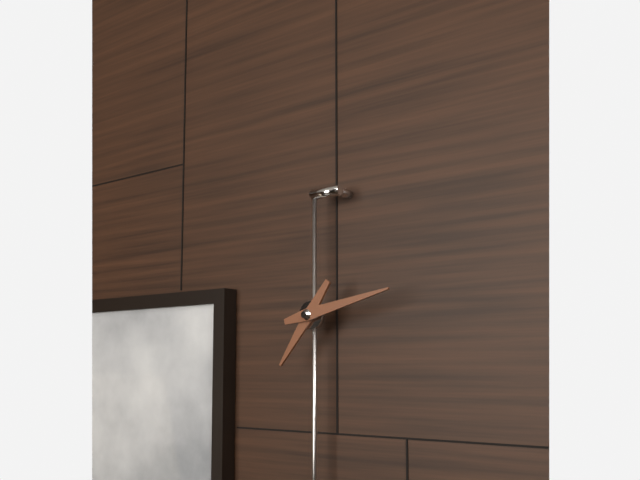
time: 7:13
